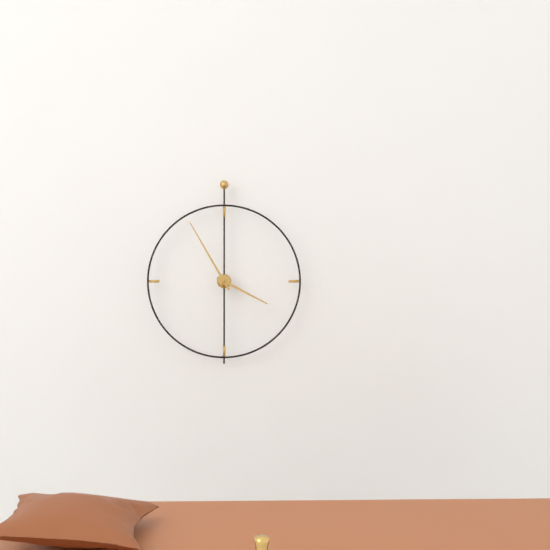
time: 3:55
